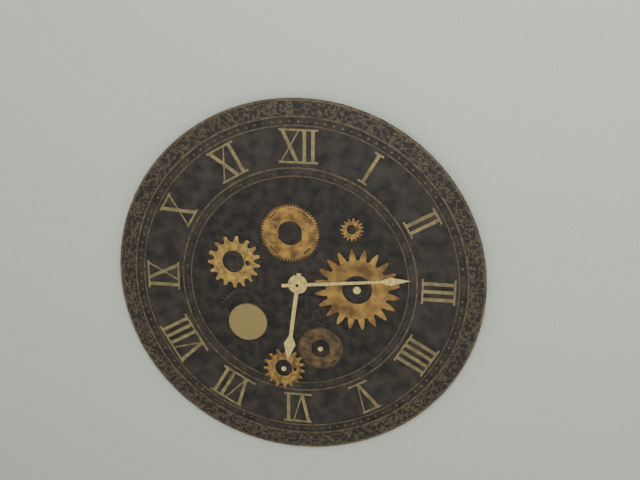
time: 6:14
